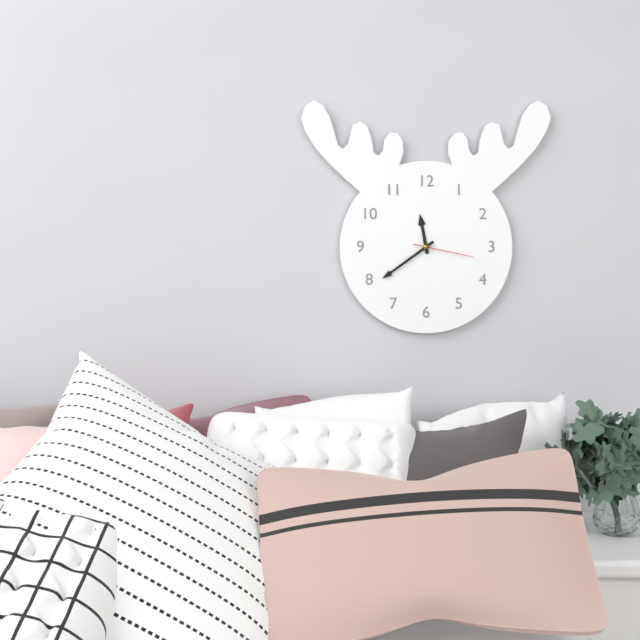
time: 11:39:17
